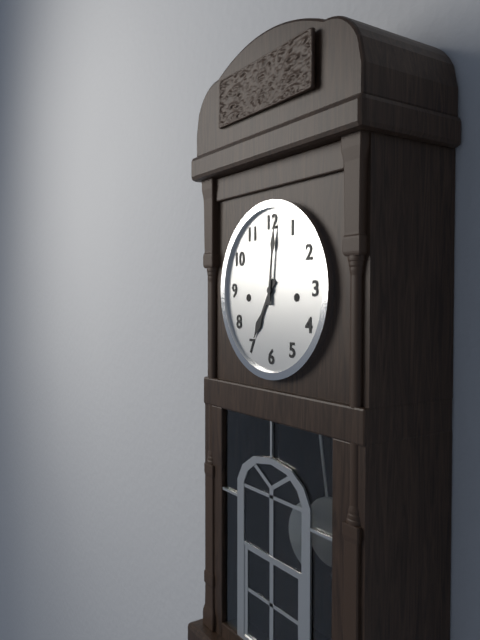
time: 7:01
